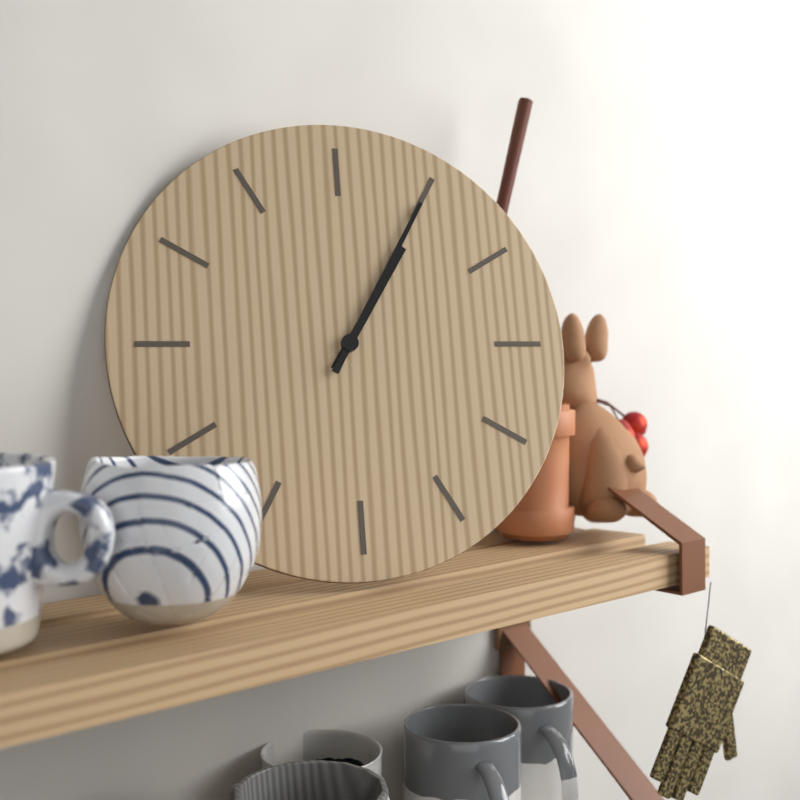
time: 1:05
